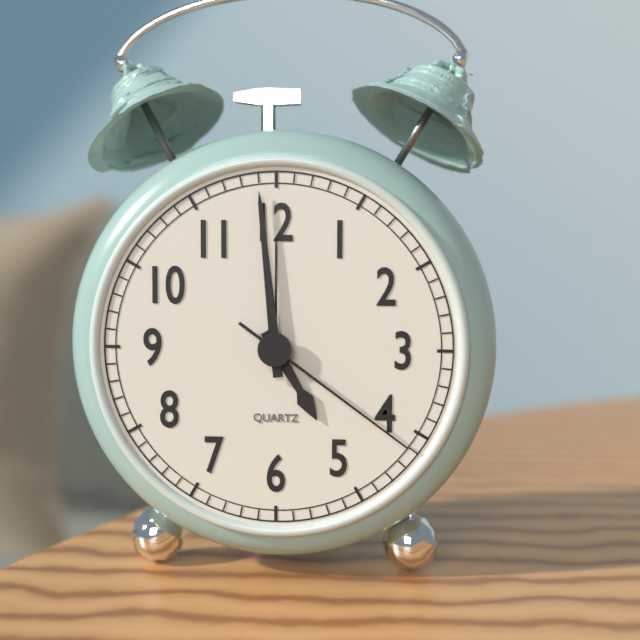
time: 4:59:21
